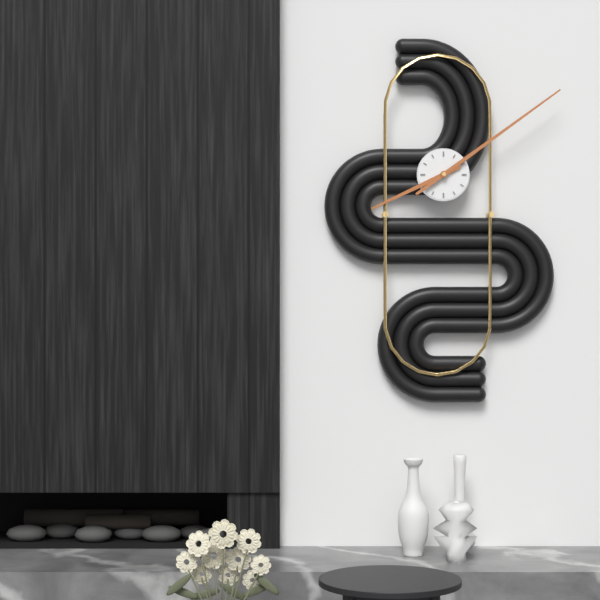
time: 8:09
